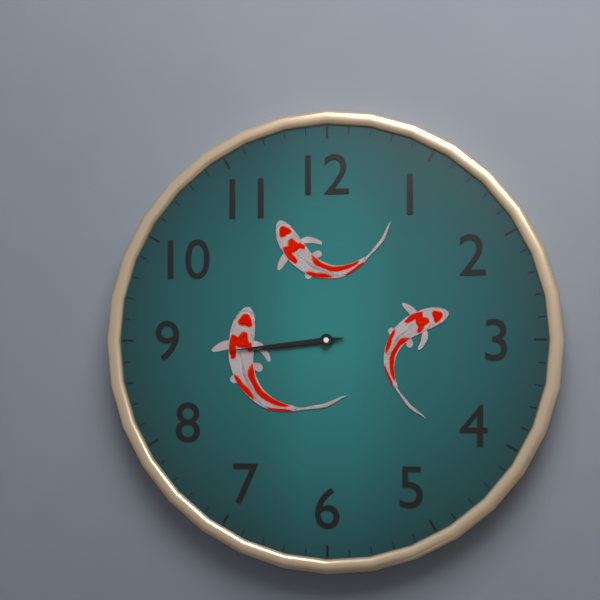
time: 8:44
